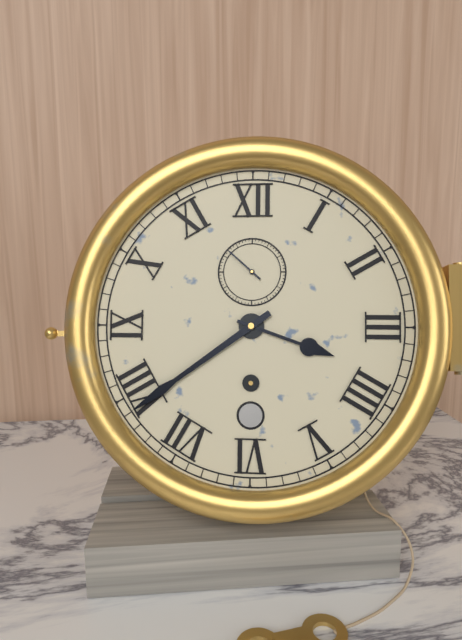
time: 3:39
